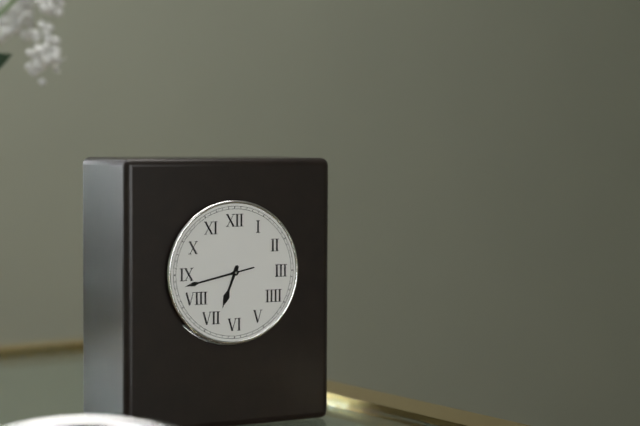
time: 6:43
